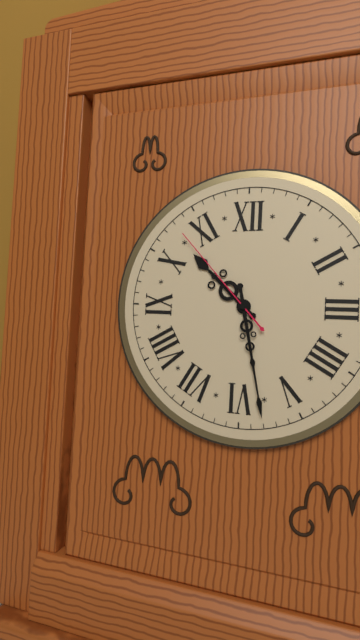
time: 10:28:53
